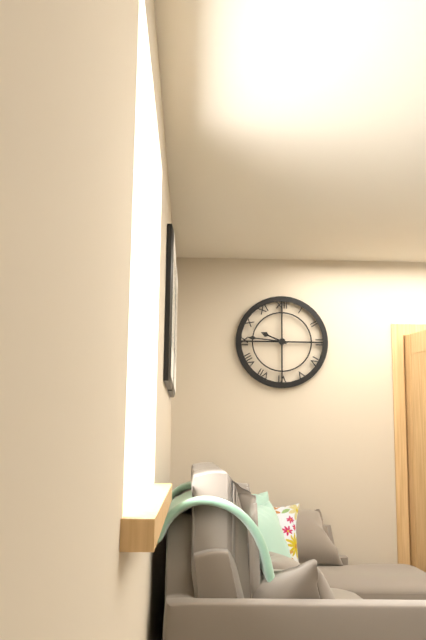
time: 9:46
